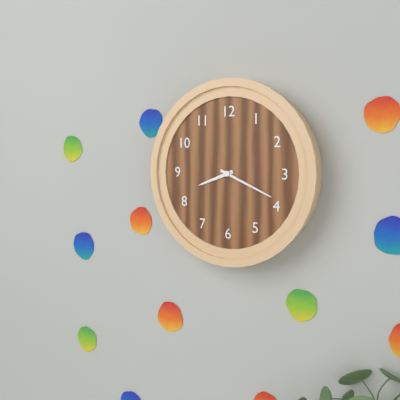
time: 8:19
